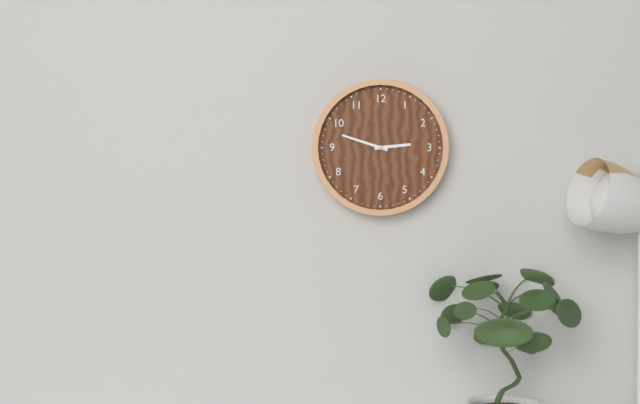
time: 2:48
